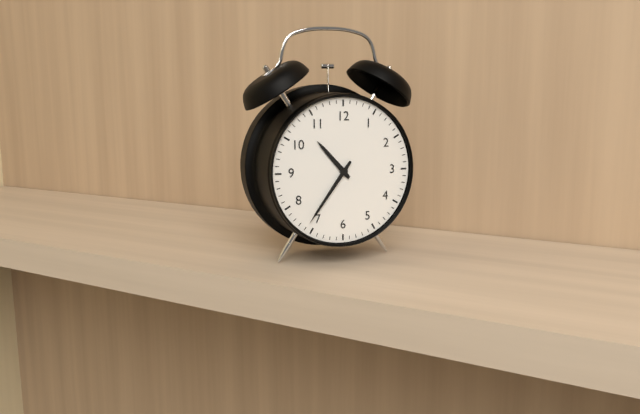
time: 10:36
